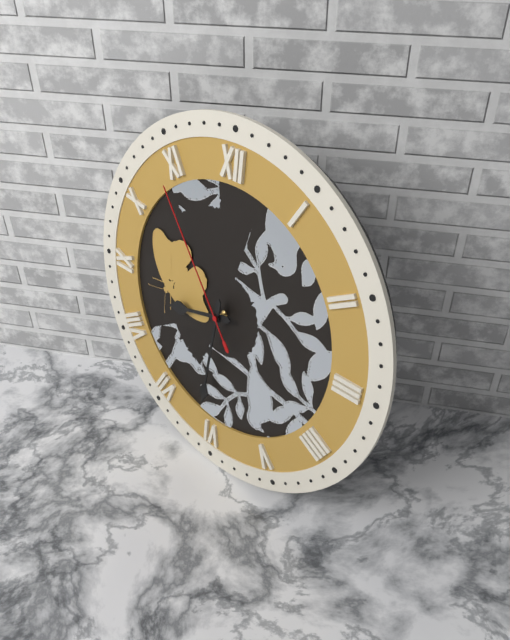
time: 8:31:54
